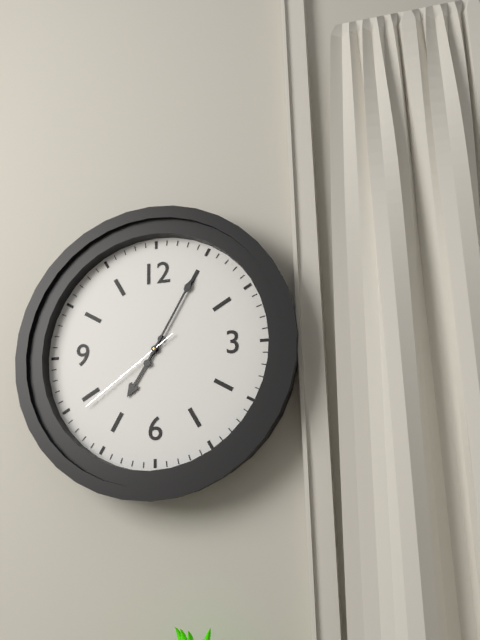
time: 7:05:39
